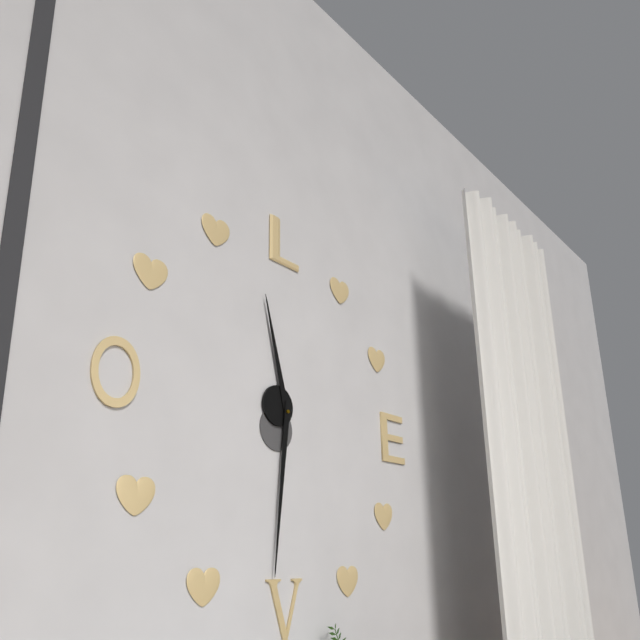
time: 11:31
